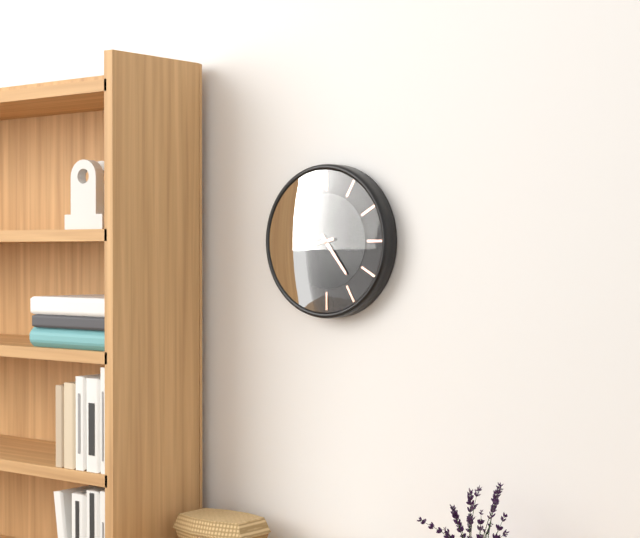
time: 4:43
